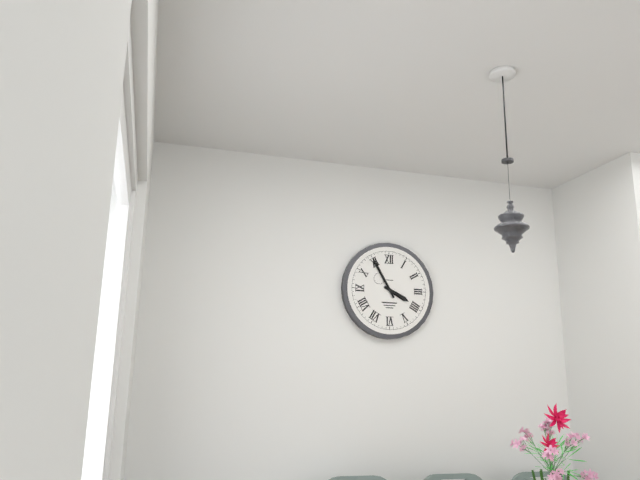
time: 3:55
